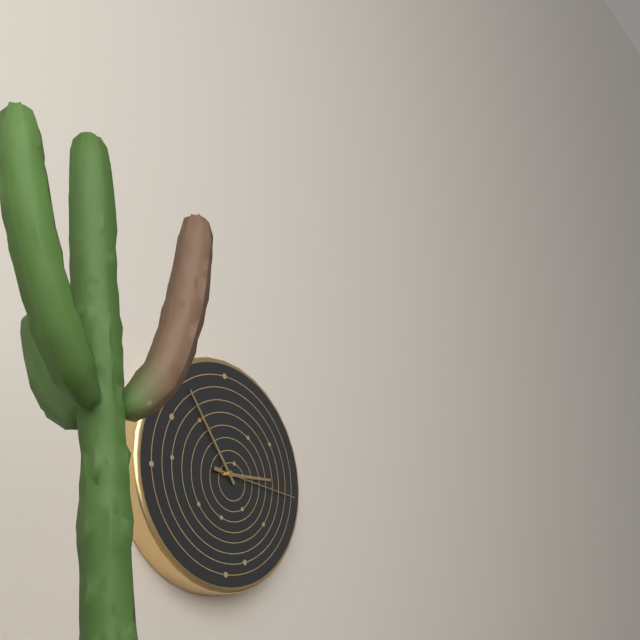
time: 2:54:16
